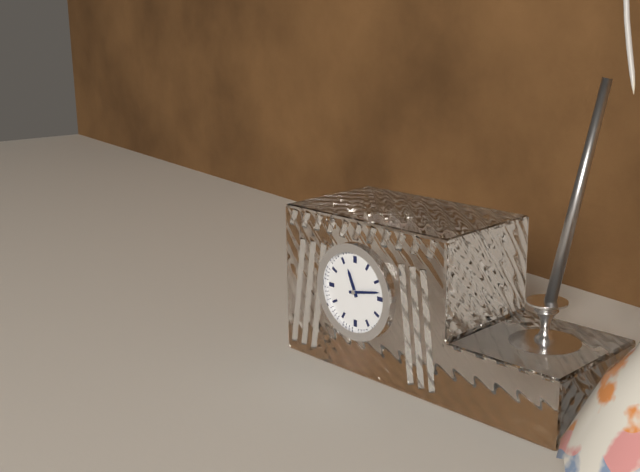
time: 11:13
